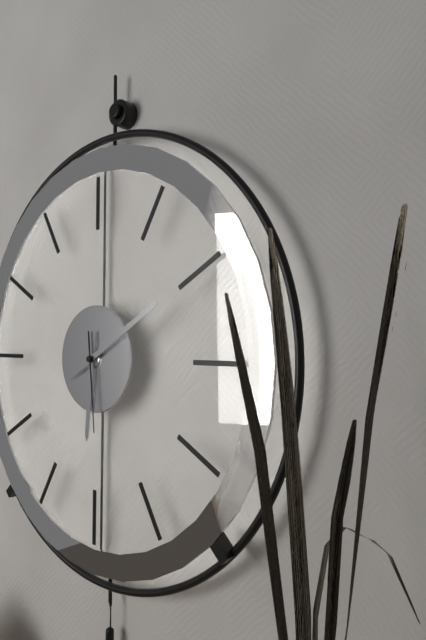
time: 6:10:29
